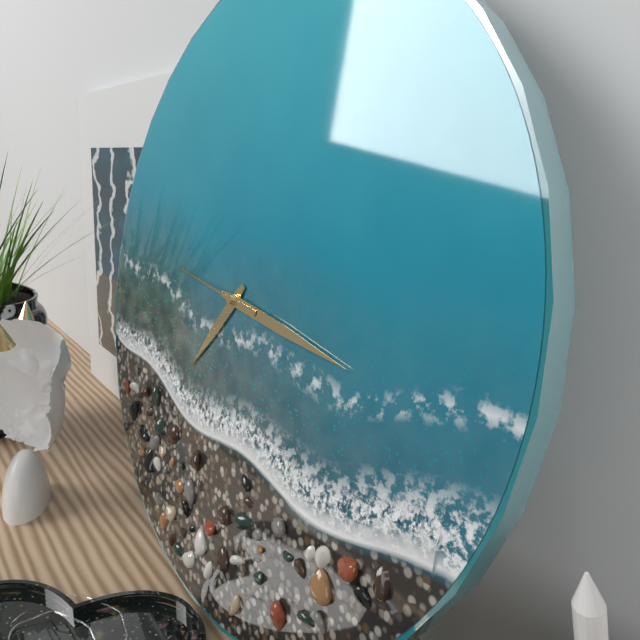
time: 7:16:46
